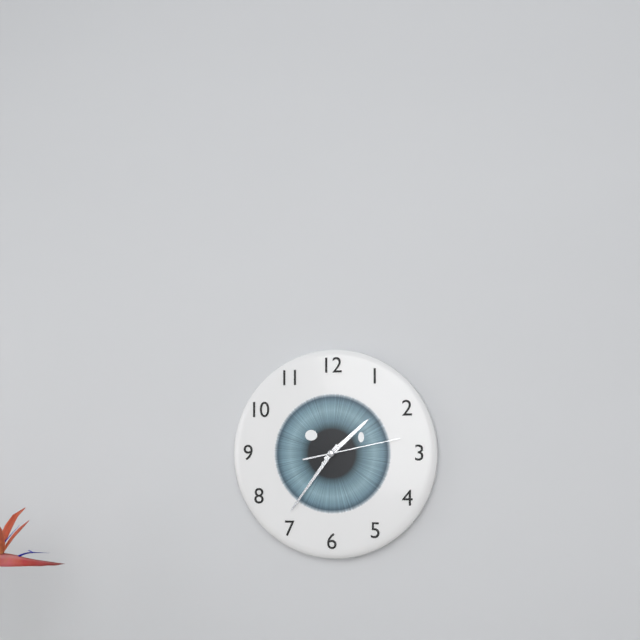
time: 1:36:13
